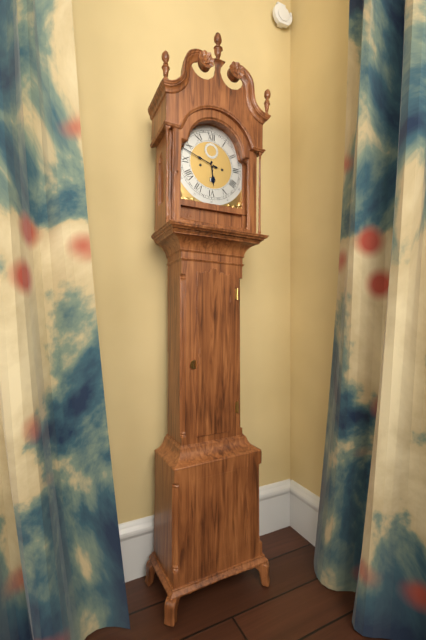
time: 5:48
